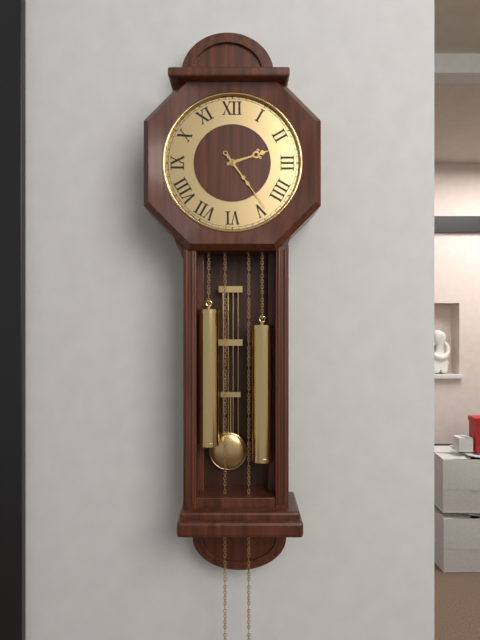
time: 2:24
